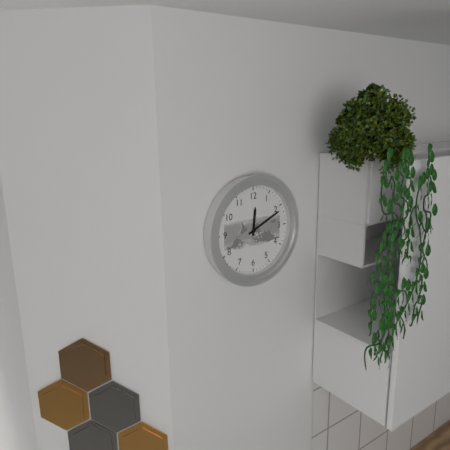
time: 12:11
